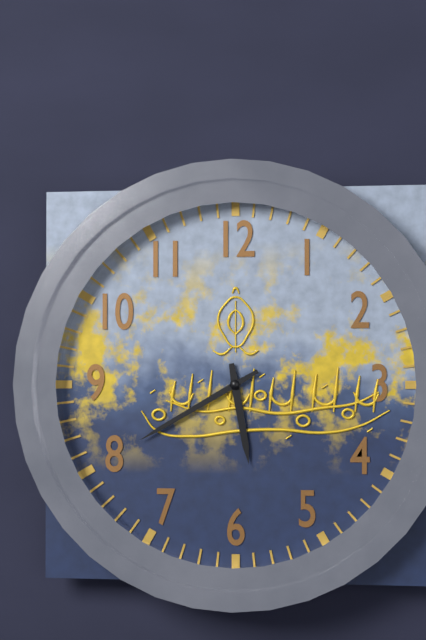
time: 5:40
